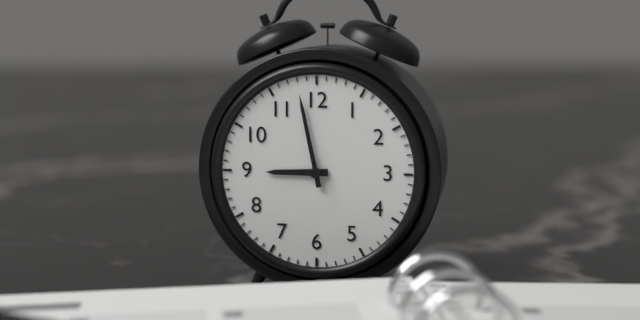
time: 8:58
